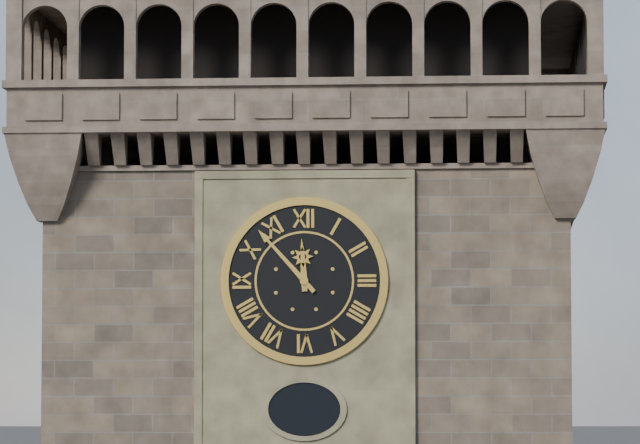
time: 11:53
